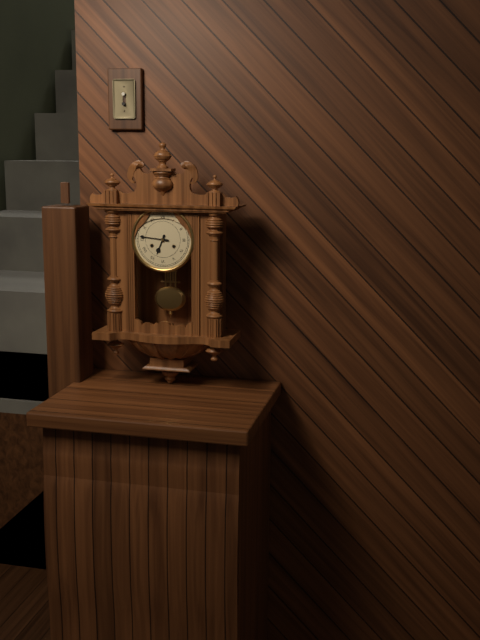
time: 6:46
